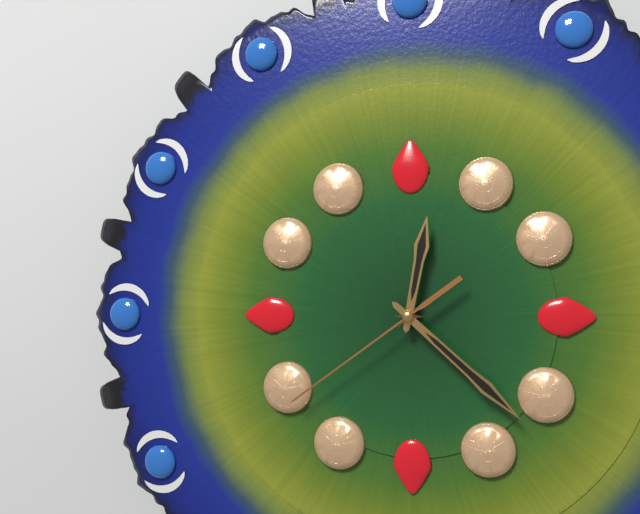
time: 12:22:39
